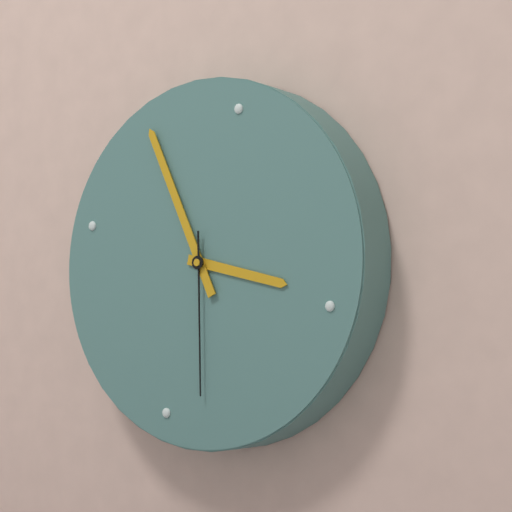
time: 2:53:27
